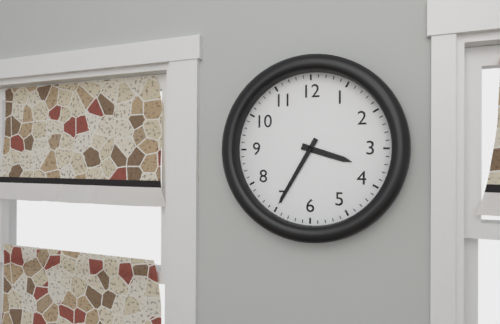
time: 3:35
